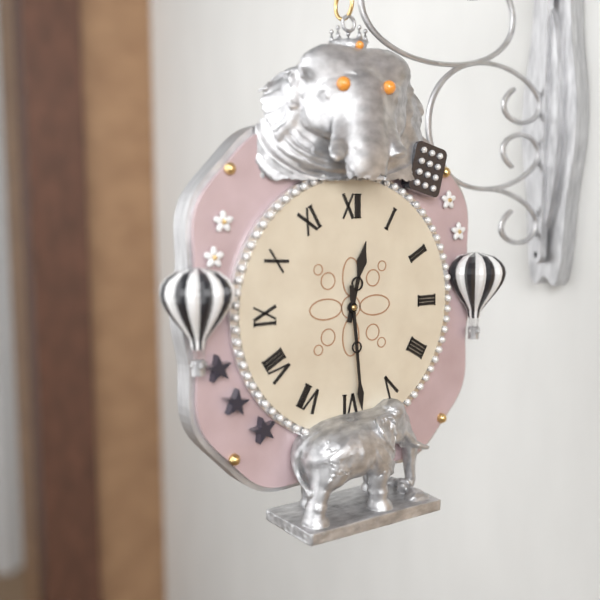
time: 12:29
